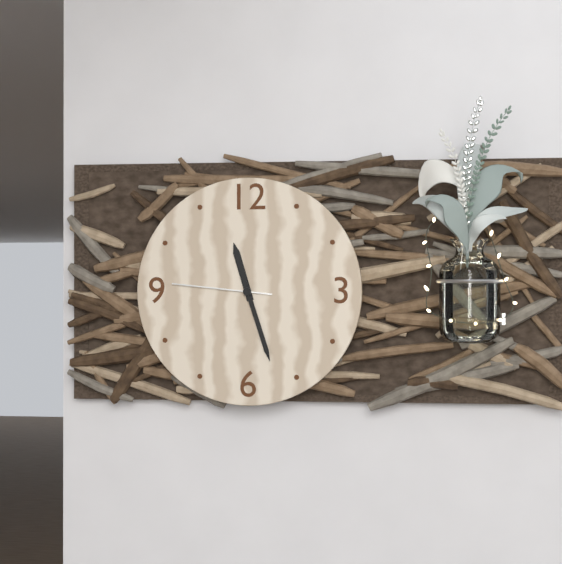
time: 11:27:46
